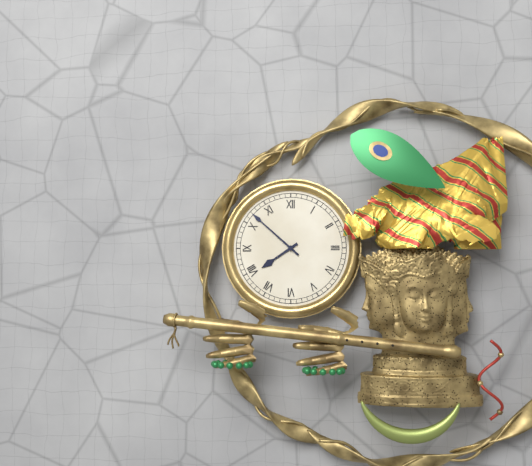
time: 7:52
